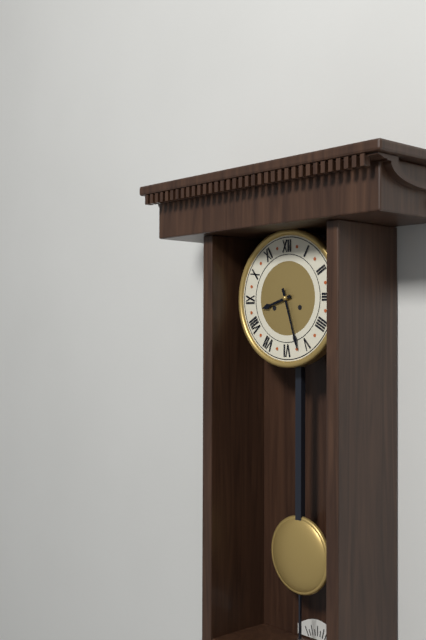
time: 8:27
